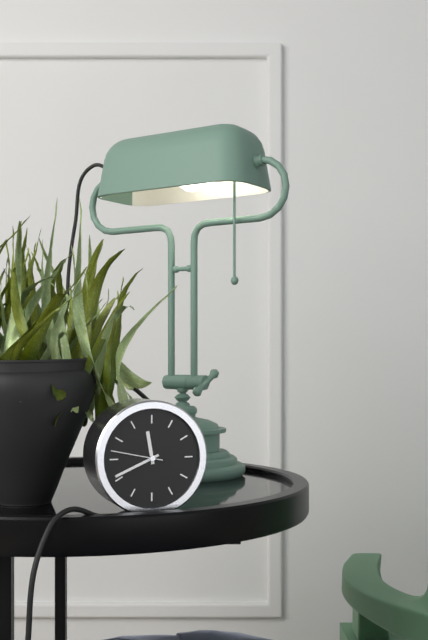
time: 11:41
